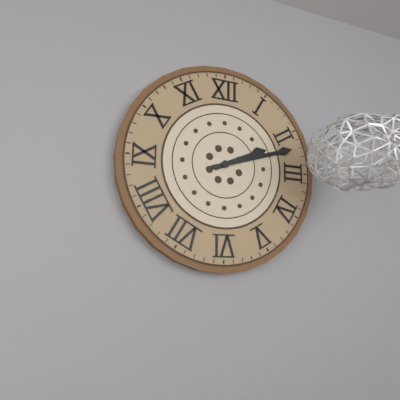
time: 2:12
